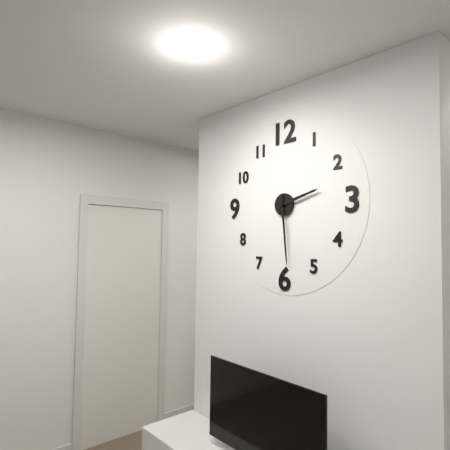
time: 2:29
